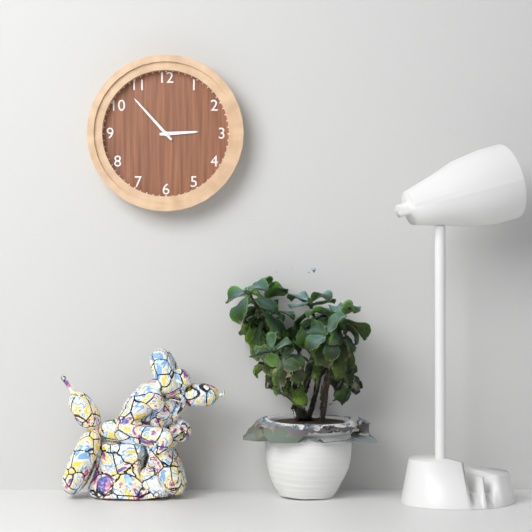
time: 2:53
